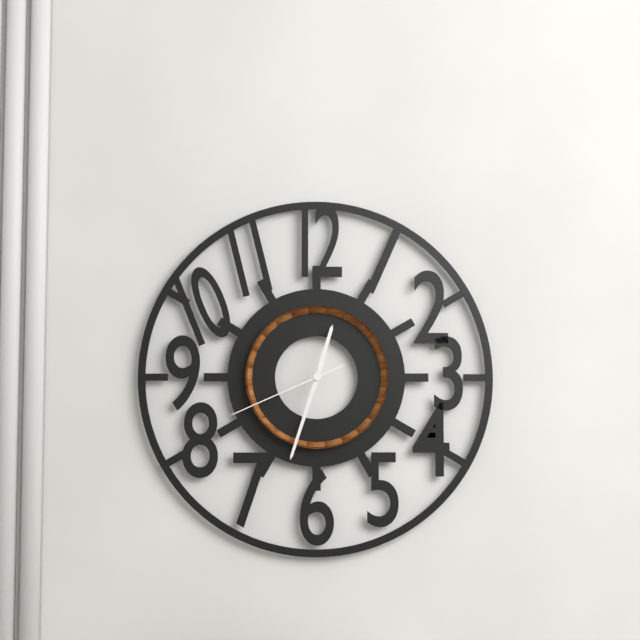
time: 12:33:41
